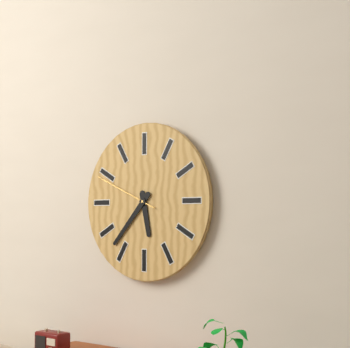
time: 5:37:49
